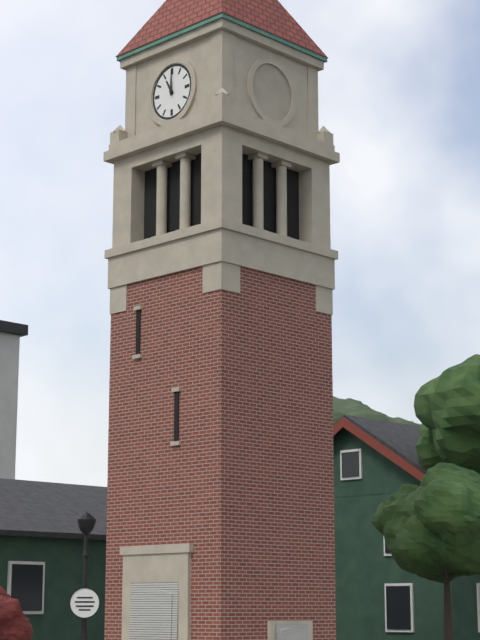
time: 11:00
